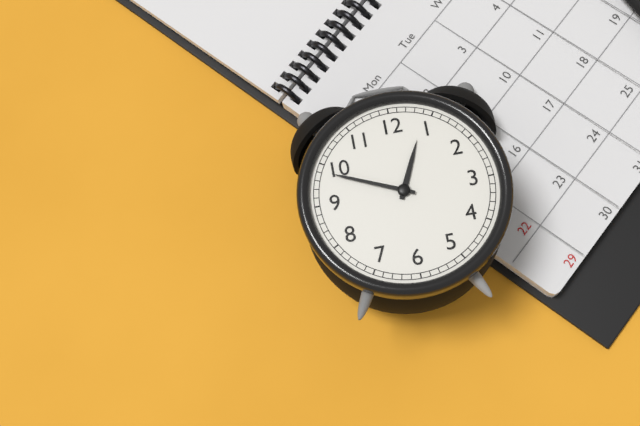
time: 12:49
